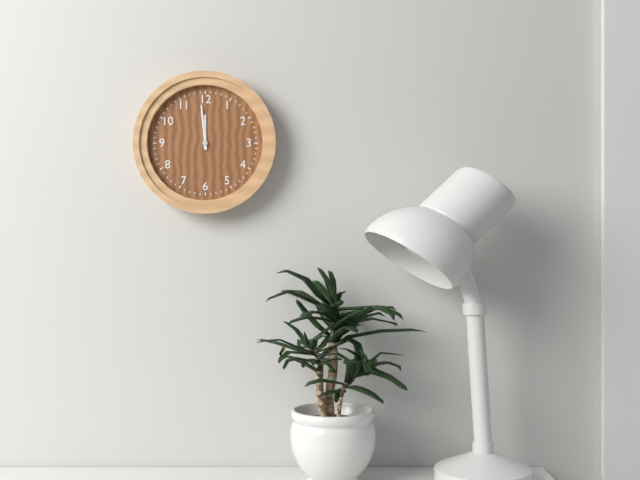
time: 11:59
